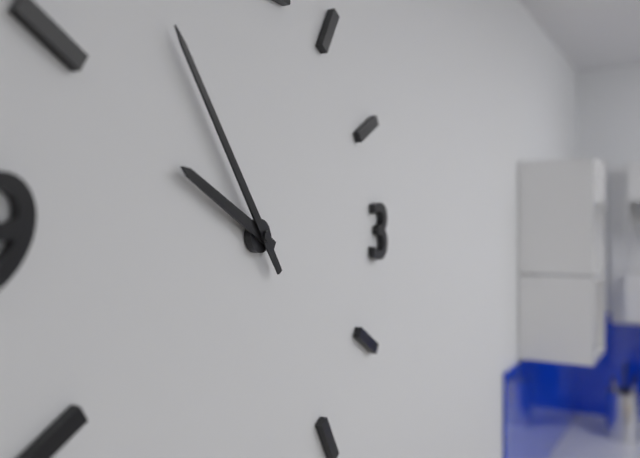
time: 9:54
